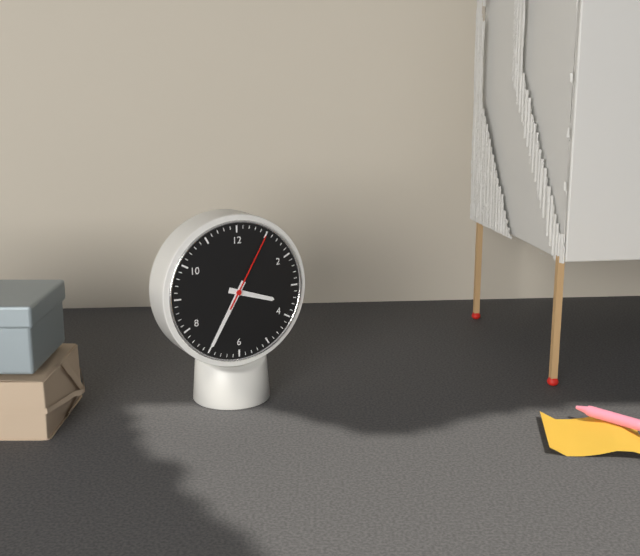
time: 3:35:05
